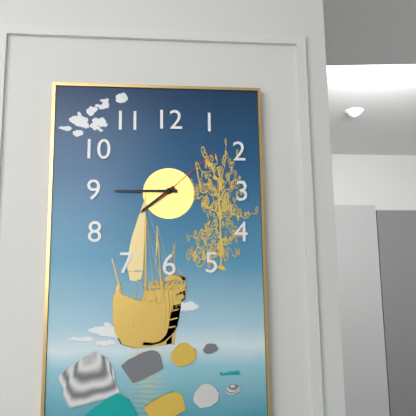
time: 7:45:08
